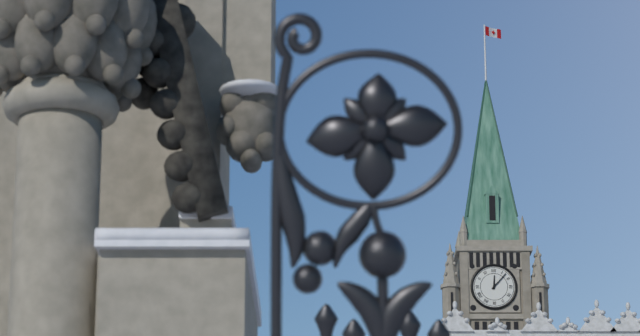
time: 12:07
